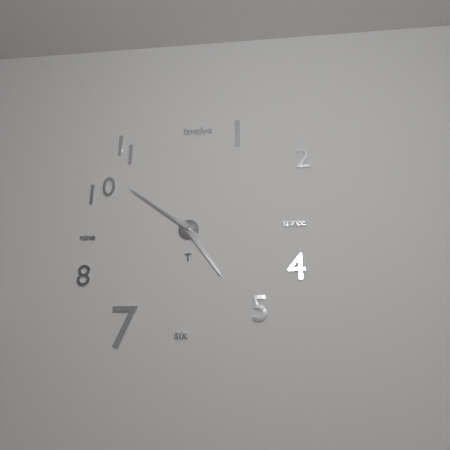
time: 4:51
